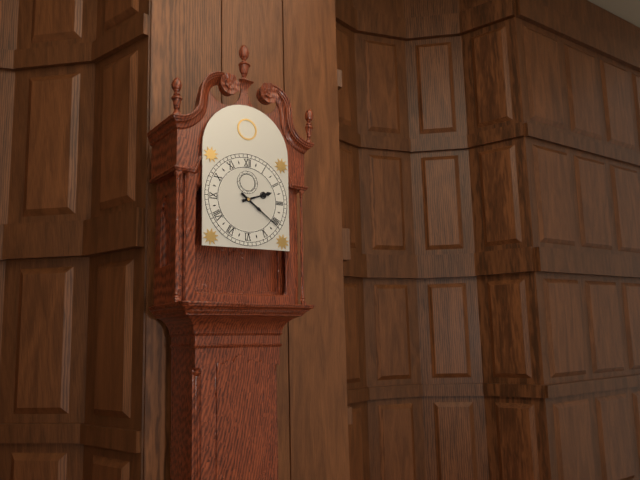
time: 2:21
